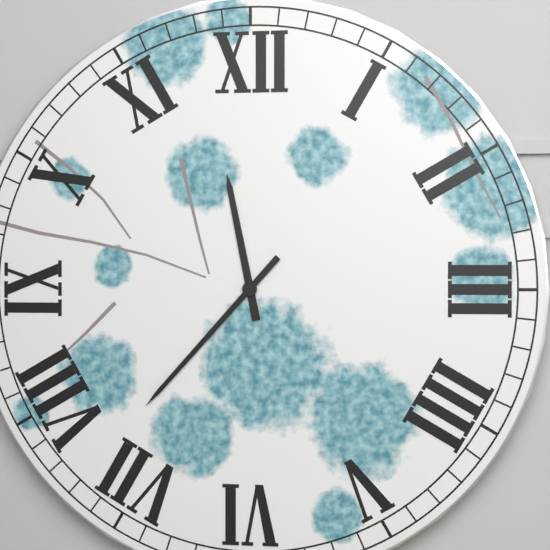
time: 11:37
